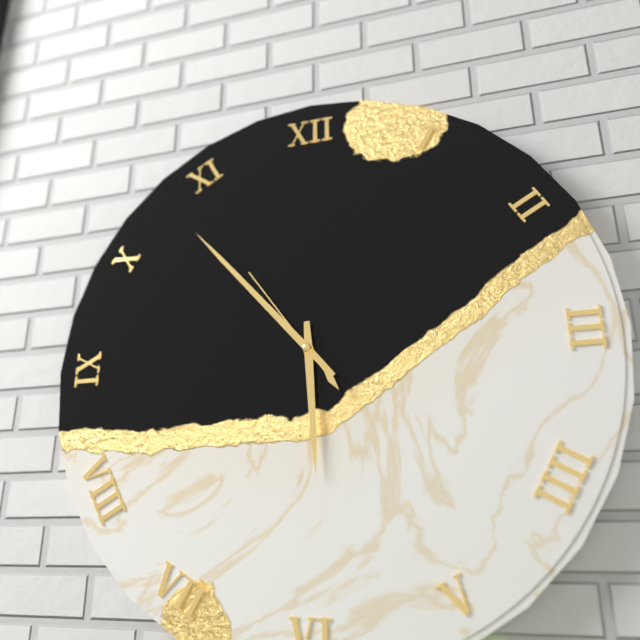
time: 5:53:54
